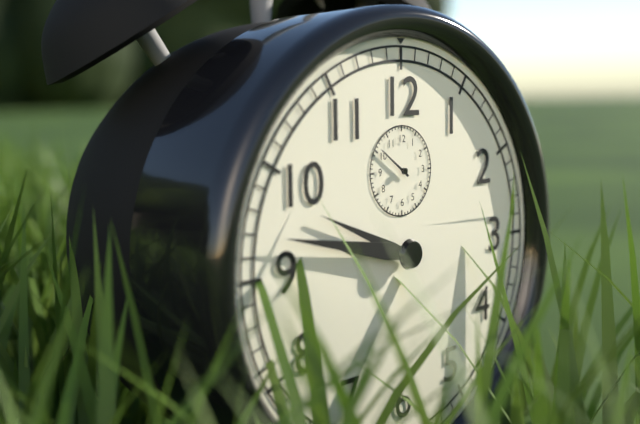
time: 9:47
